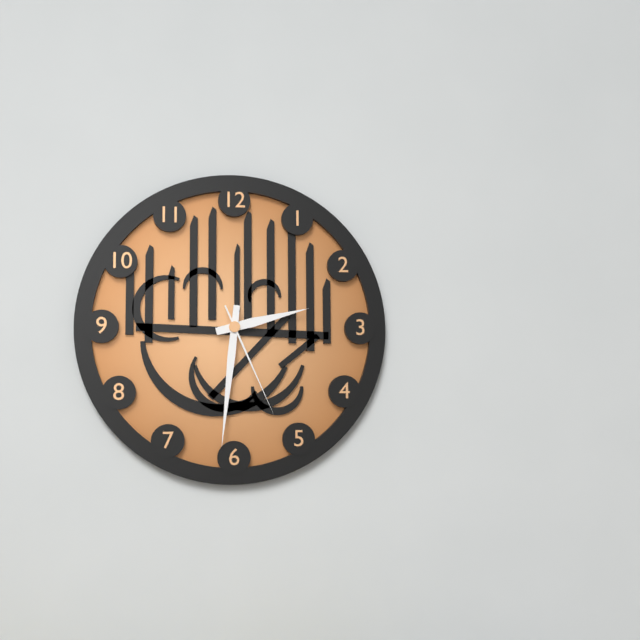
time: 2:31:26
